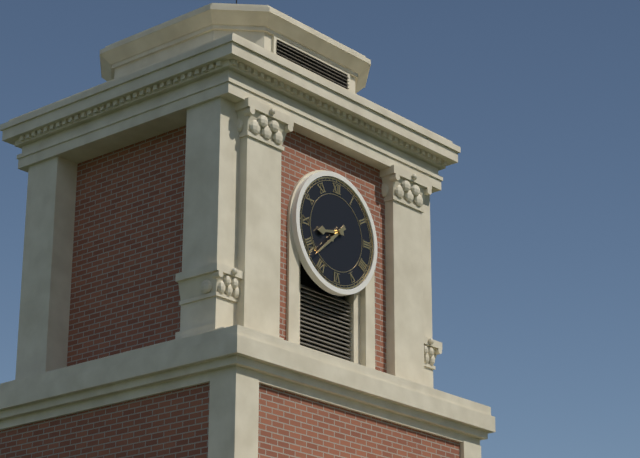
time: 8:38
